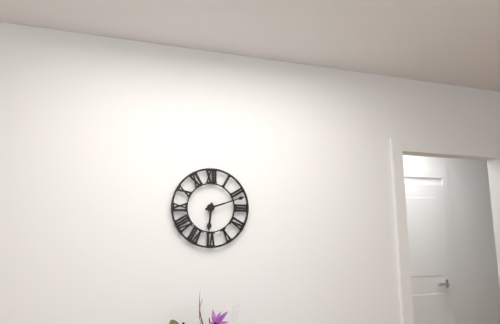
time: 6:12
